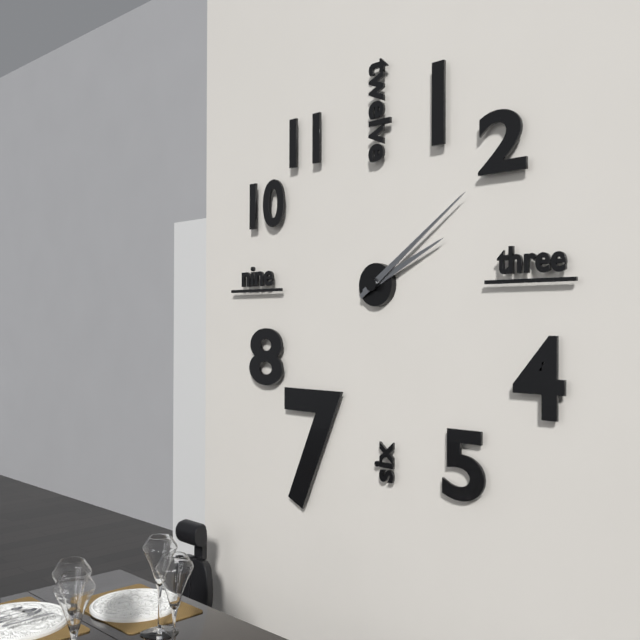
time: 2:09
